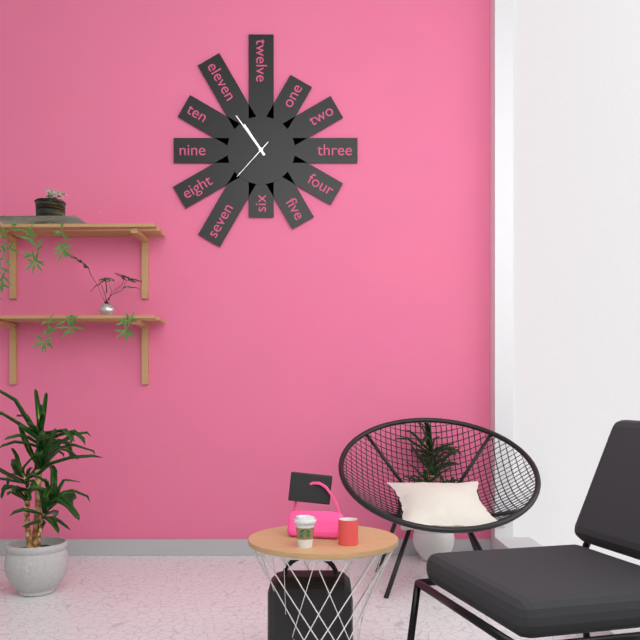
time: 10:54
